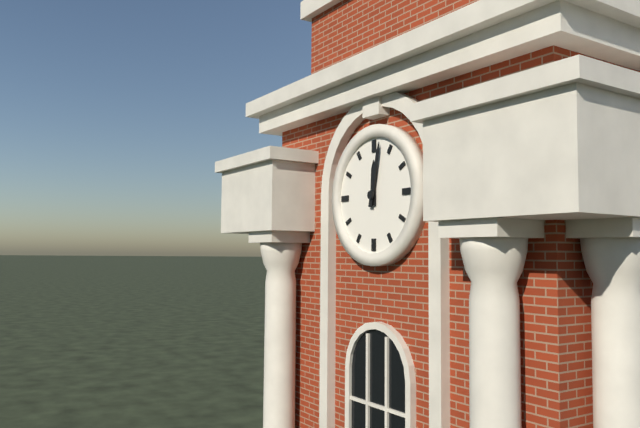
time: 12:02
